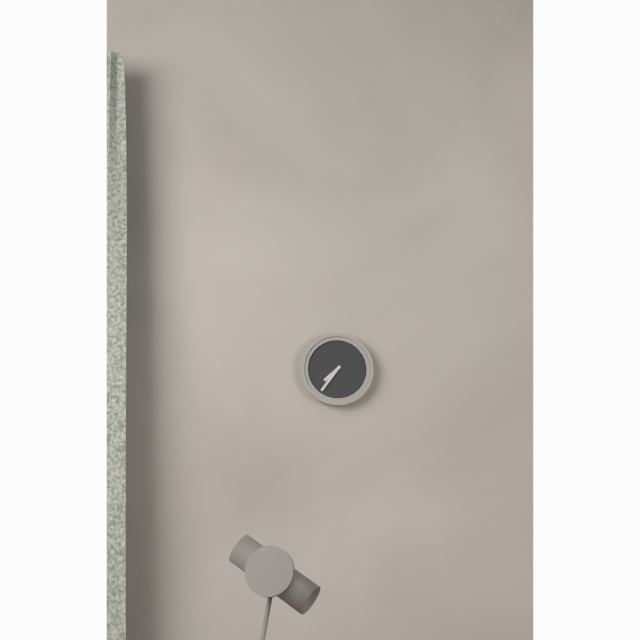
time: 7:36
